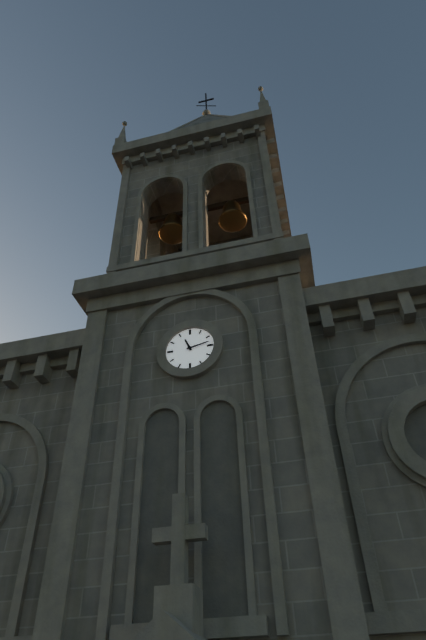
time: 11:13
